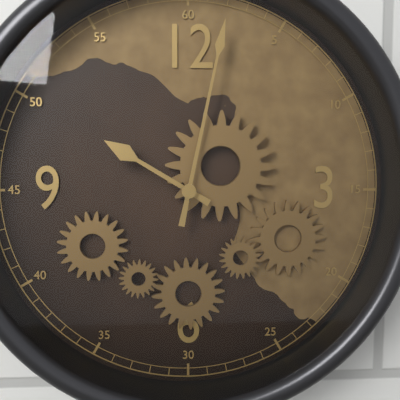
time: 10:02
